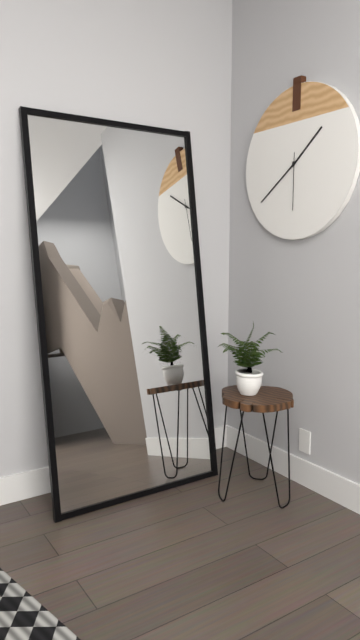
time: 1:39:30
